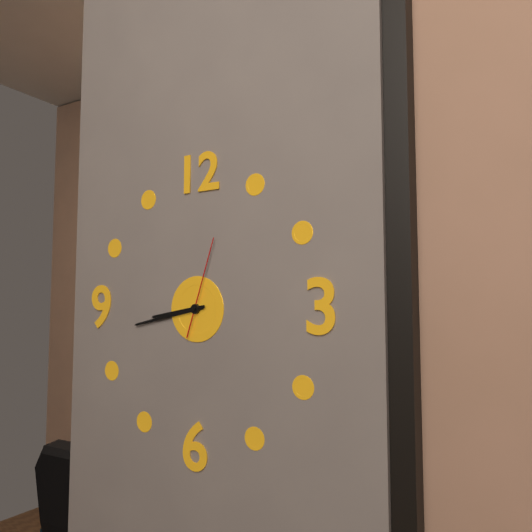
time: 8:43:03
